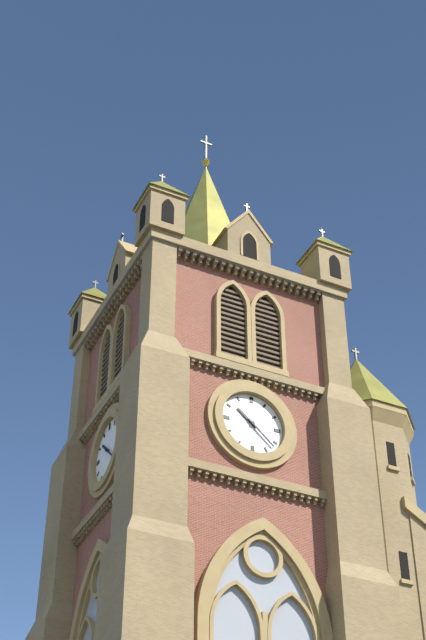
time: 10:22
